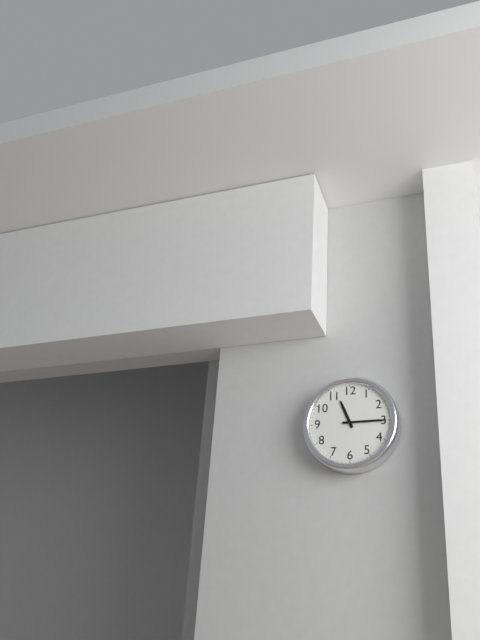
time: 11:15
